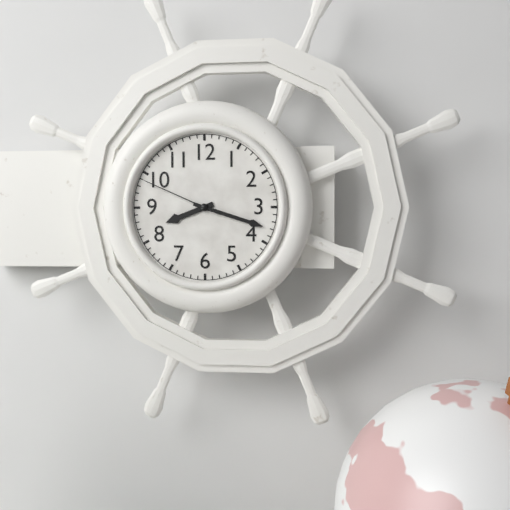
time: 8:18:49
